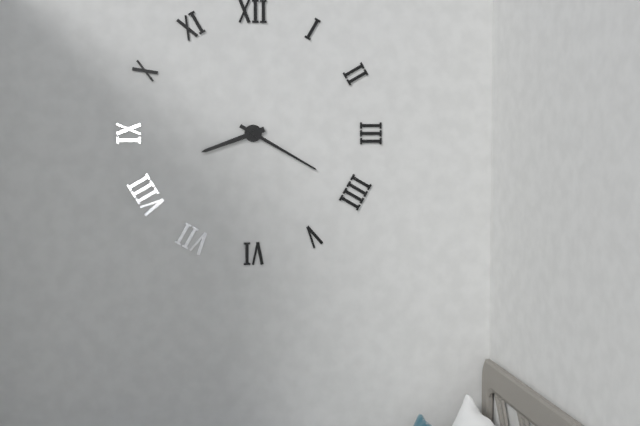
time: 8:20
